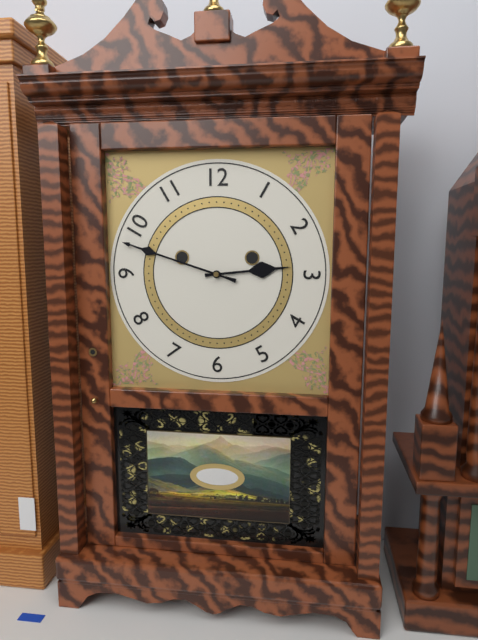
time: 2:48
